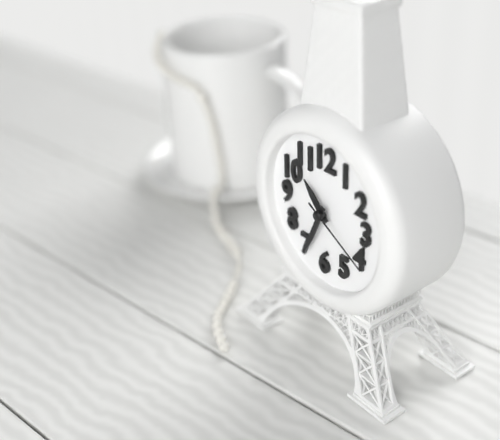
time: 10:34:20
